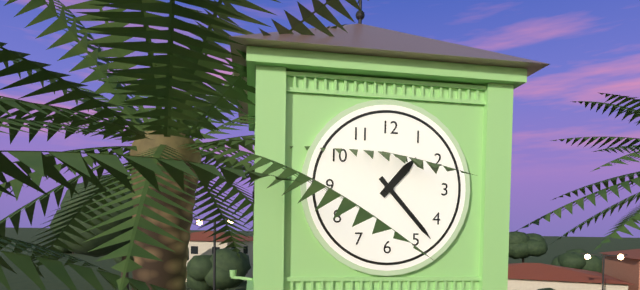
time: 1:23
